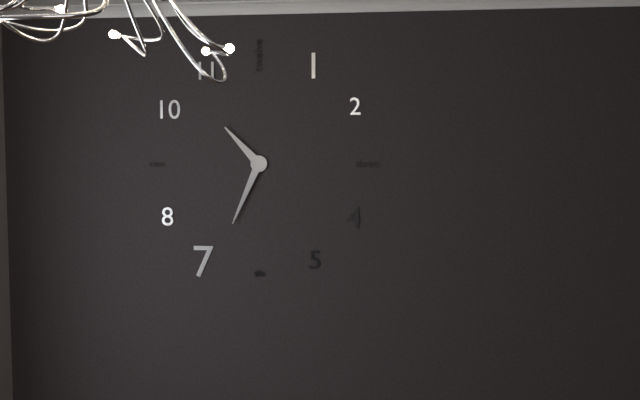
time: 10:34
